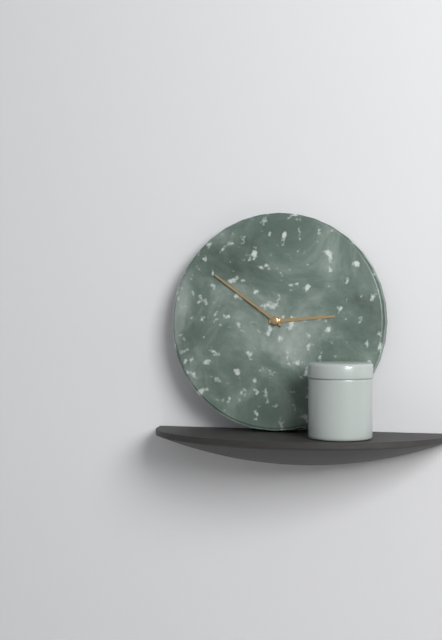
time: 2:51
